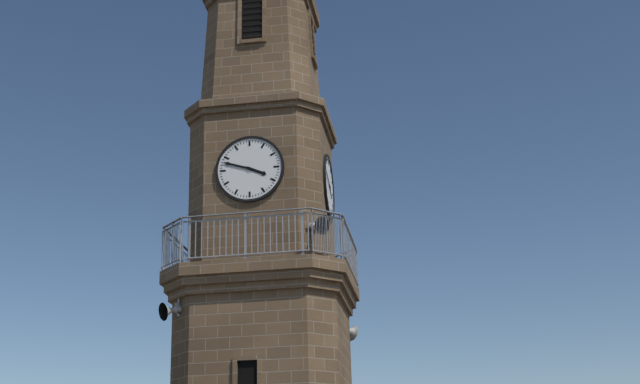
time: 3:48
